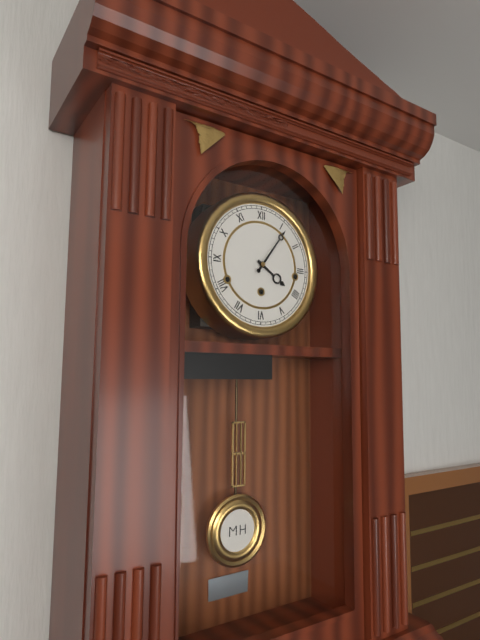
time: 4:06
